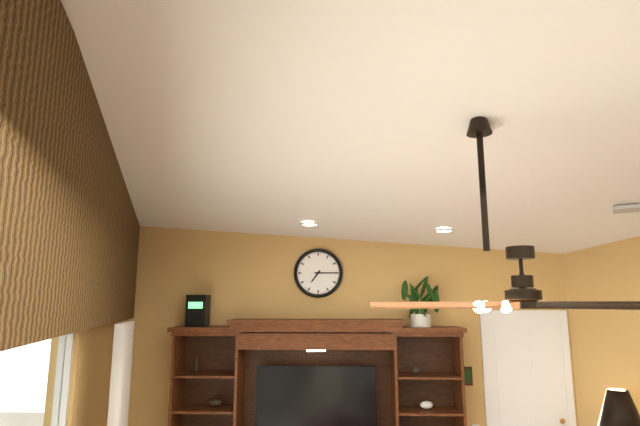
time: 7:15
